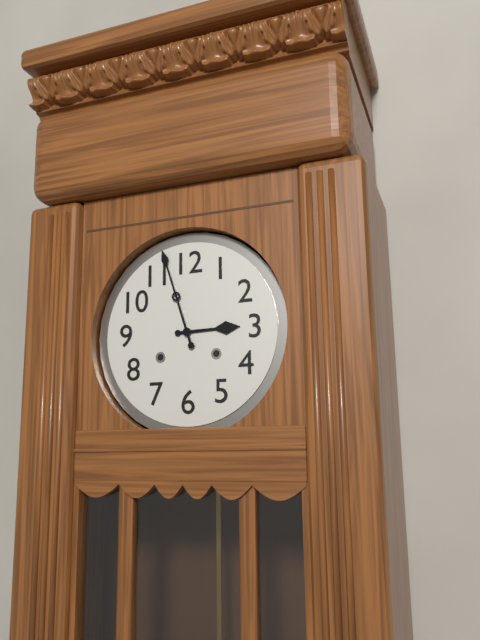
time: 2:57
